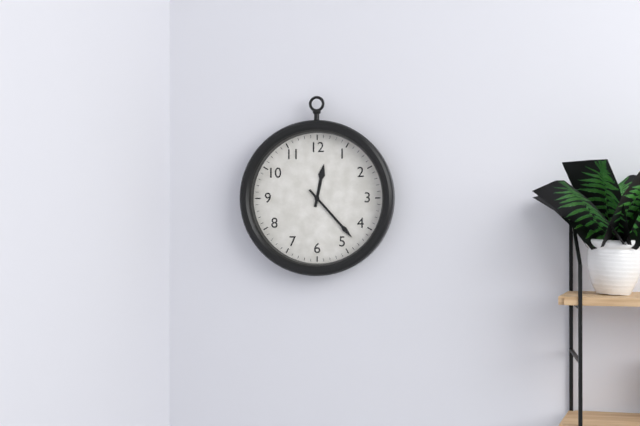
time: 12:23
